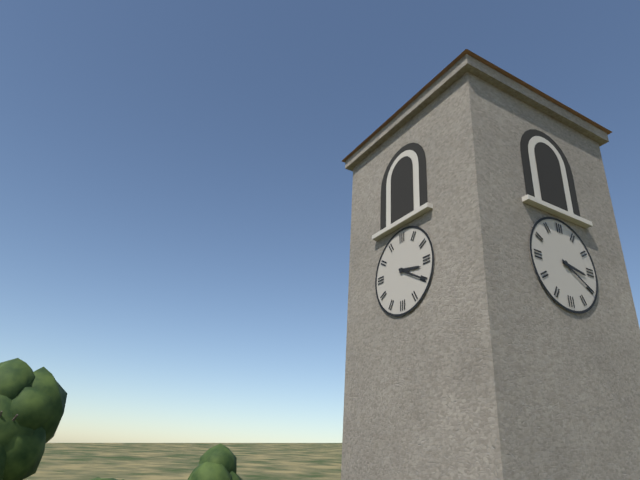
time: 3:20
